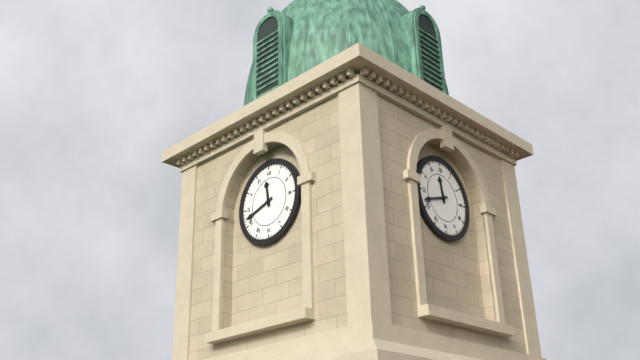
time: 11:42
